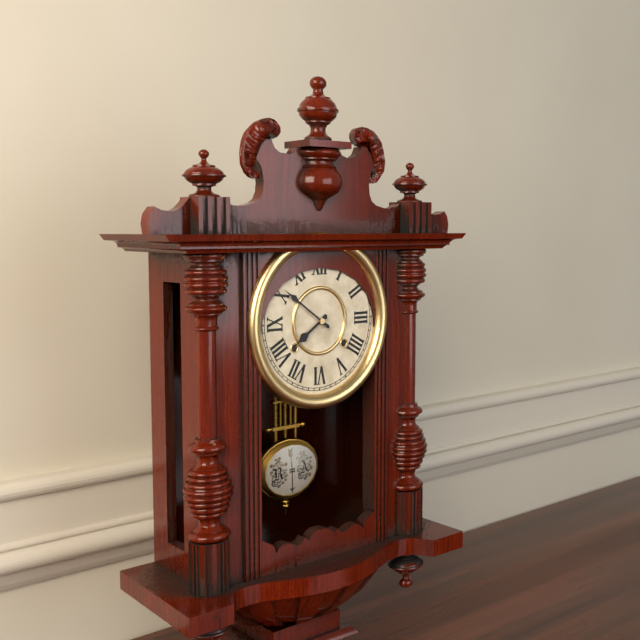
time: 7:51
